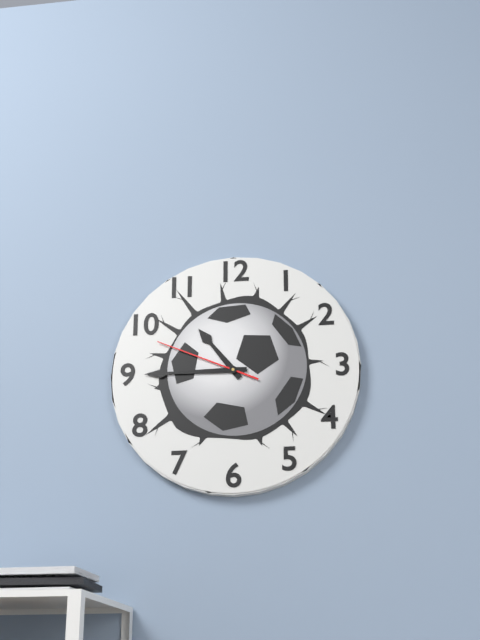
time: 10:45:49
